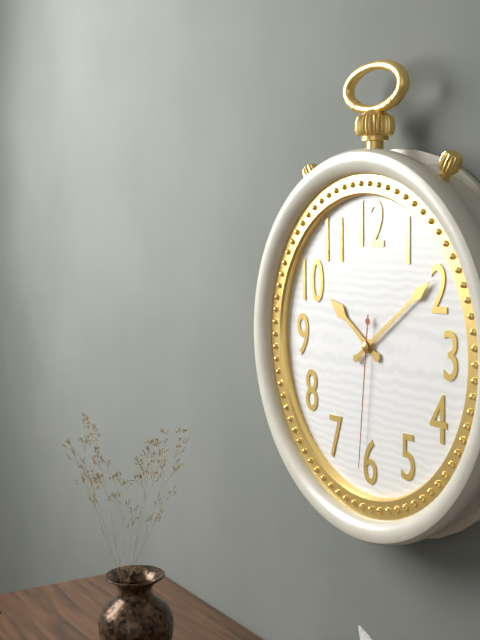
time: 10:09:31
